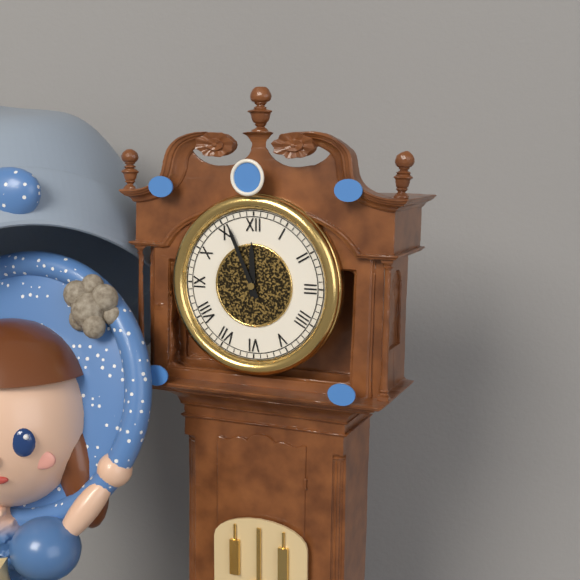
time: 11:56
